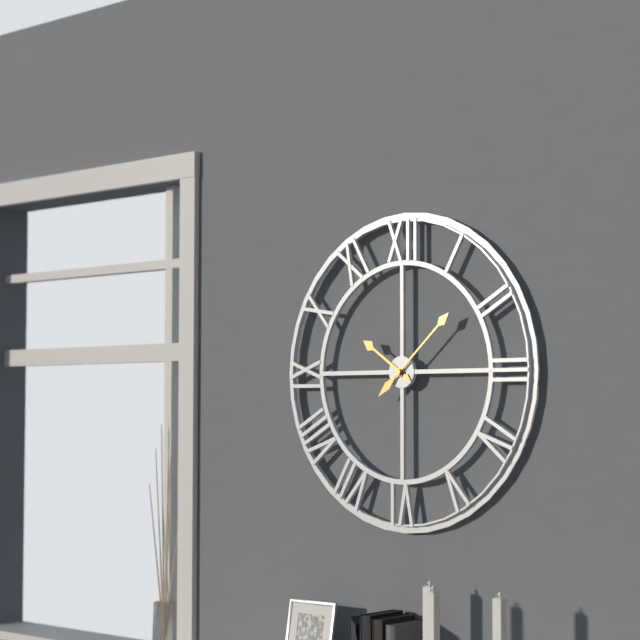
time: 10:08
